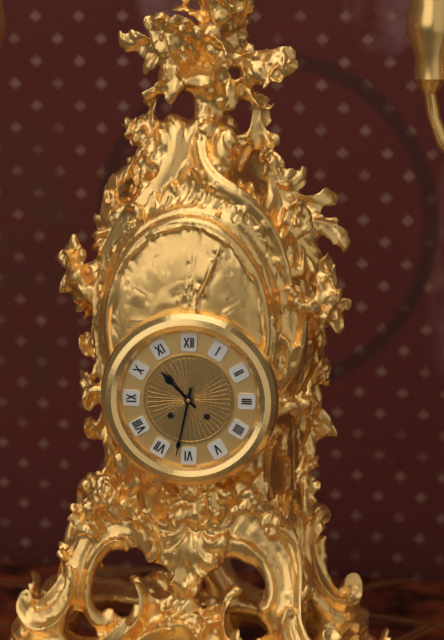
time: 10:32
